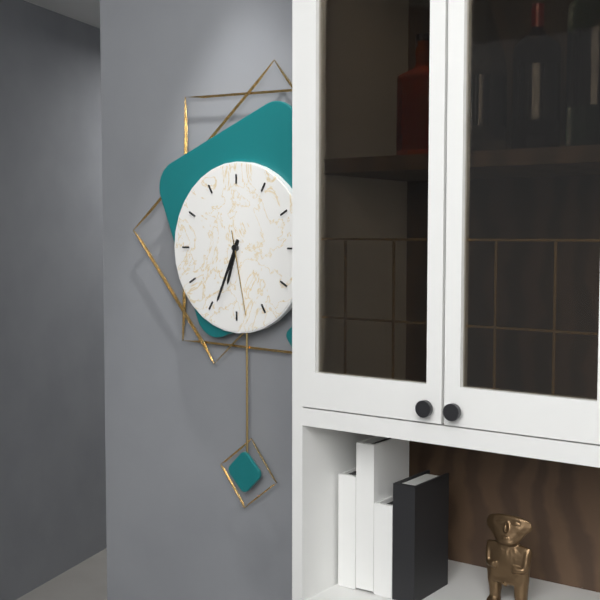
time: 6:34:28
